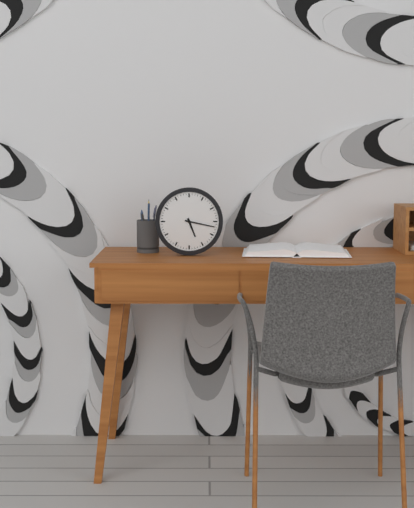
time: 5:17
